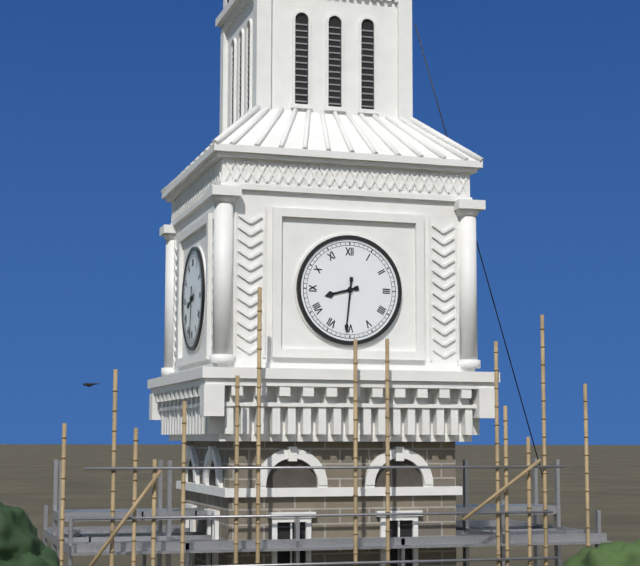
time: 8:31
